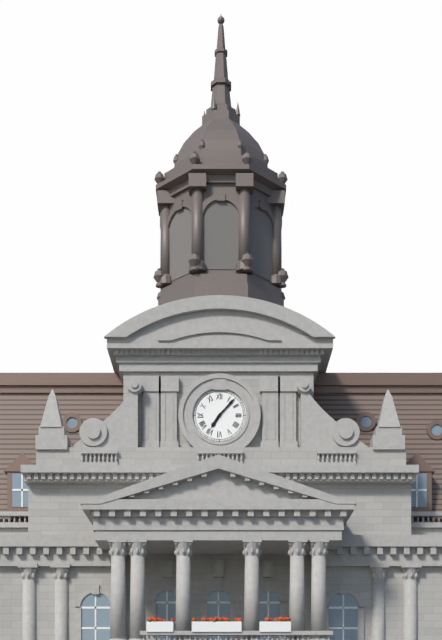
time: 7:07
